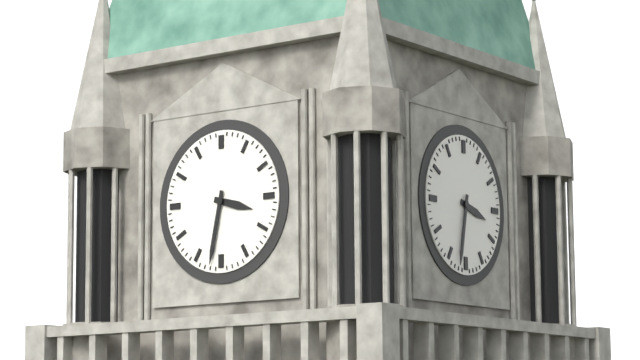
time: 3:32
